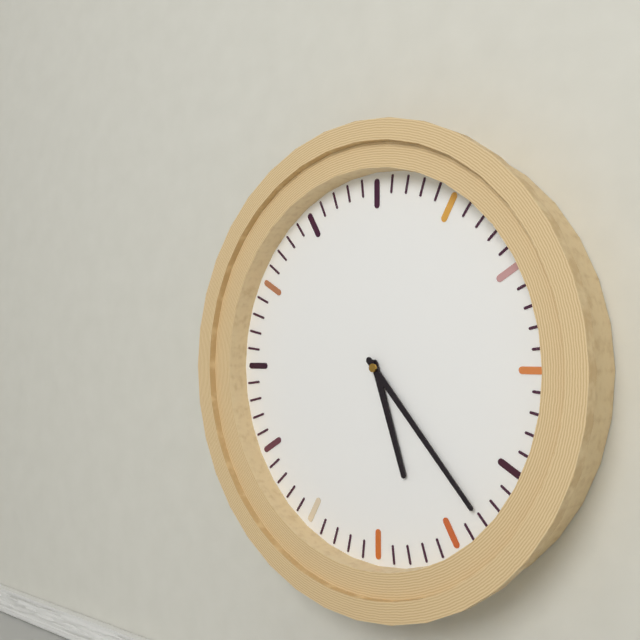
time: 5:23
